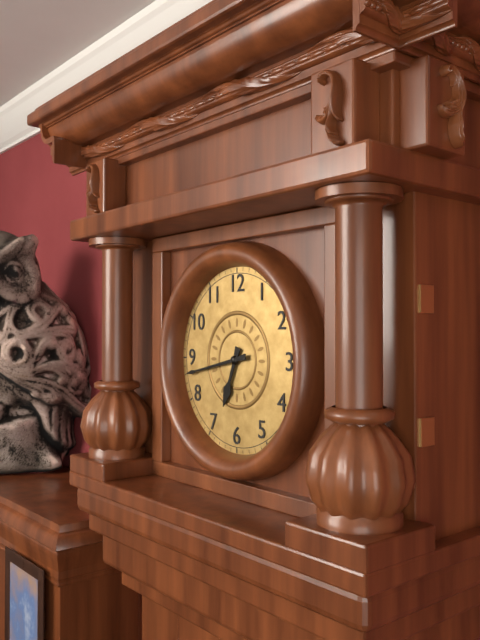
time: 6:43
